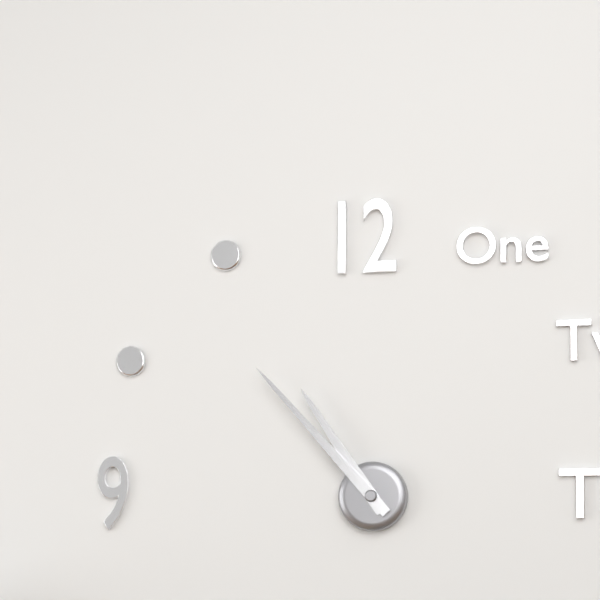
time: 10:53
